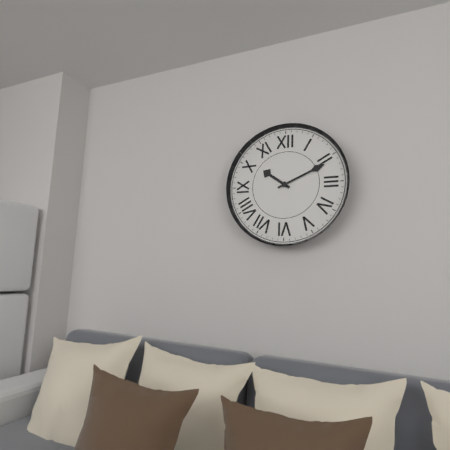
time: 10:11
